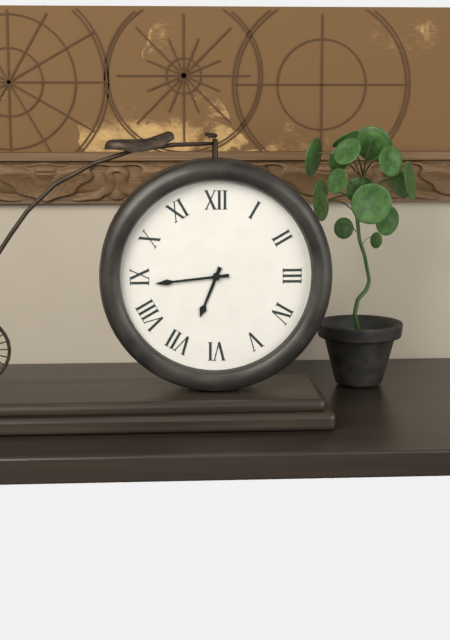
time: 6:44
